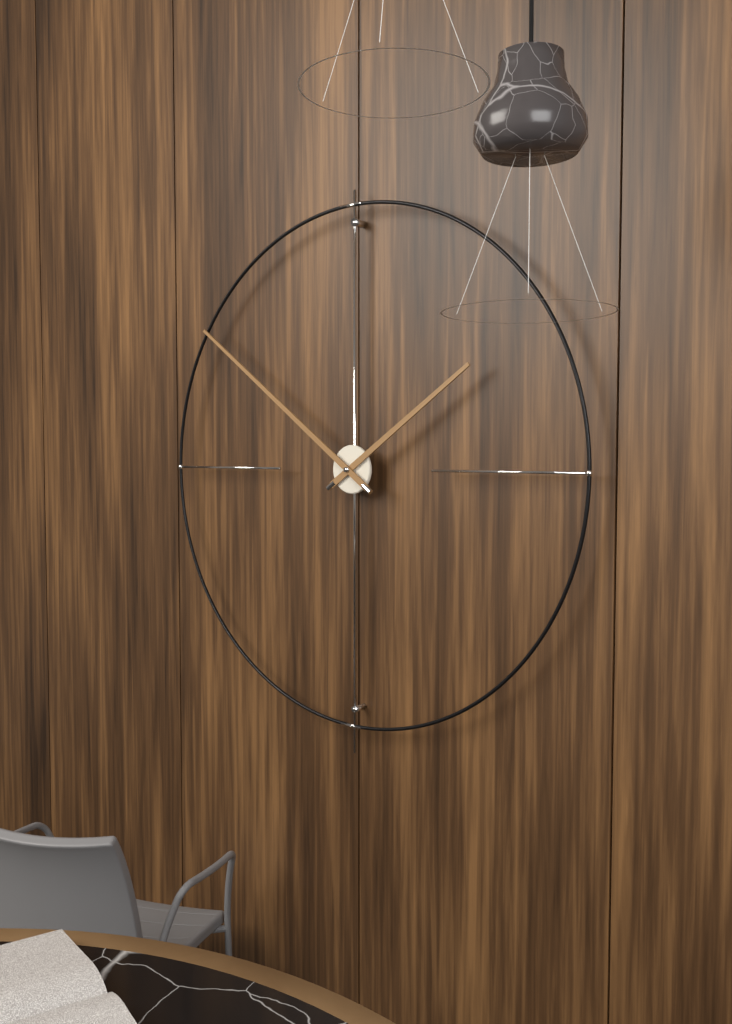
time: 1:51
